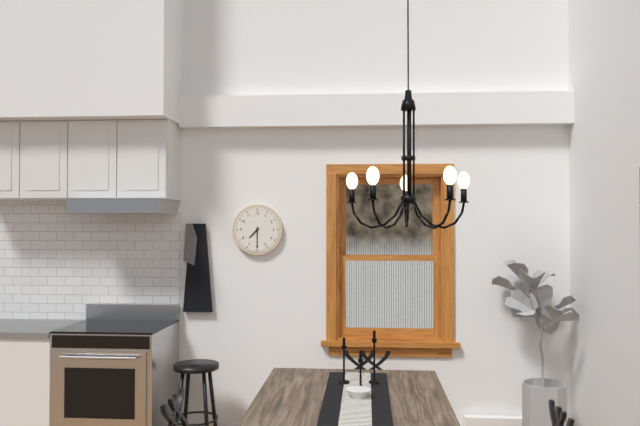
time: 7:30
